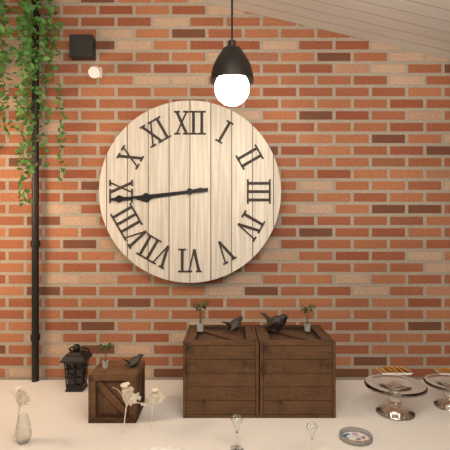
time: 8:44
